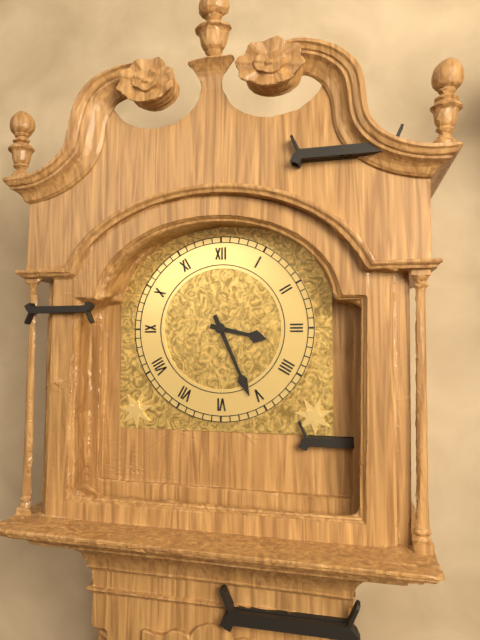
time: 3:26
